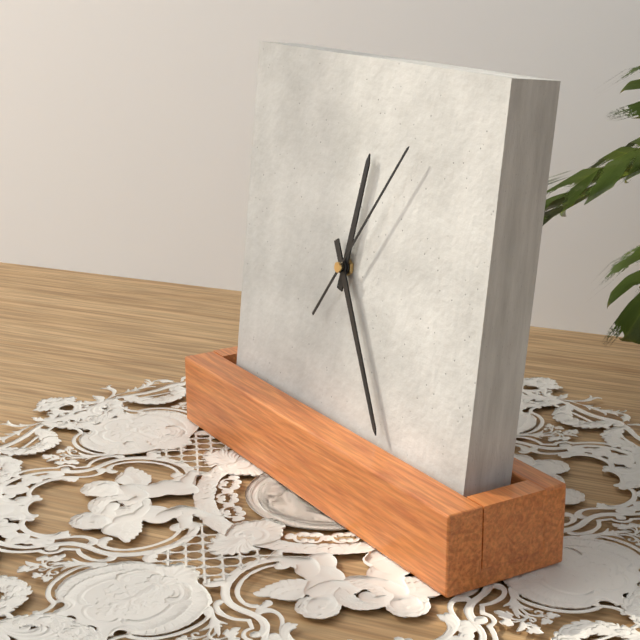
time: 12:25:06
